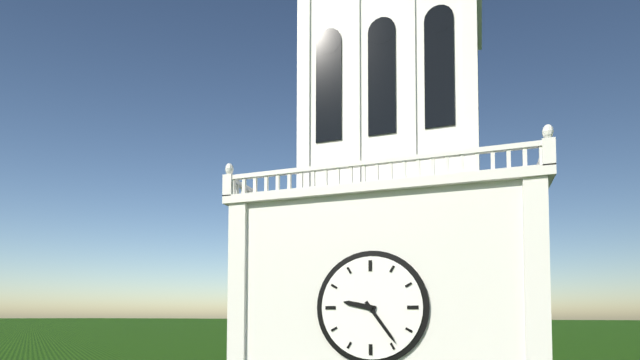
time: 9:24
